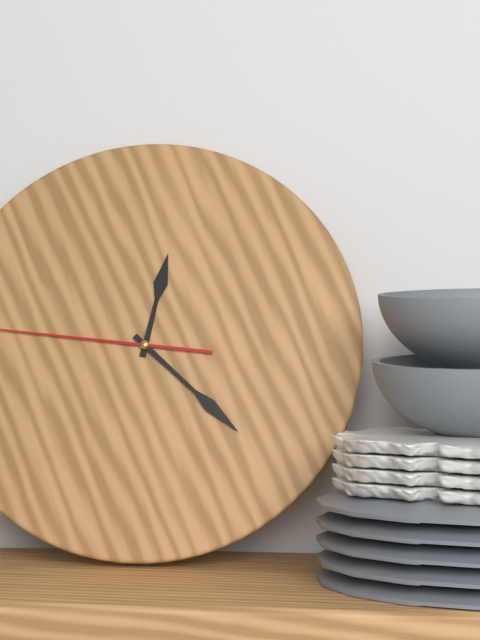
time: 12:22
